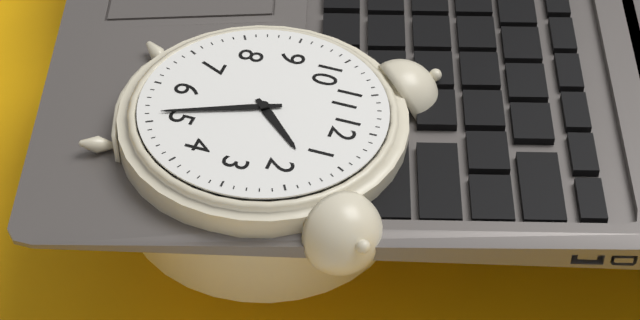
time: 1:26
